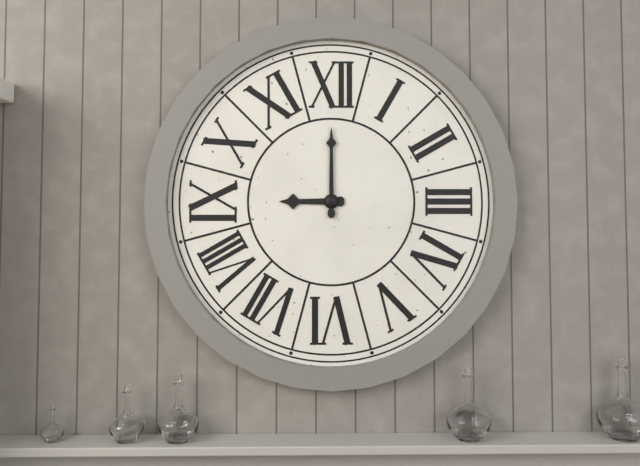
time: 9:00
